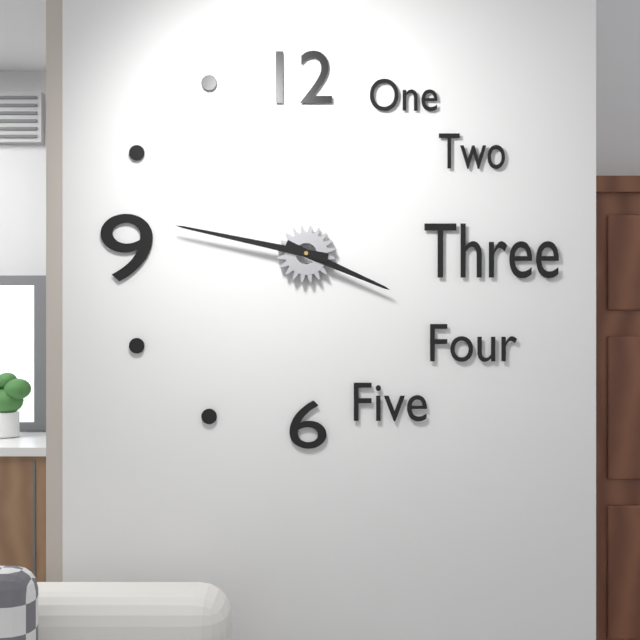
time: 3:47
